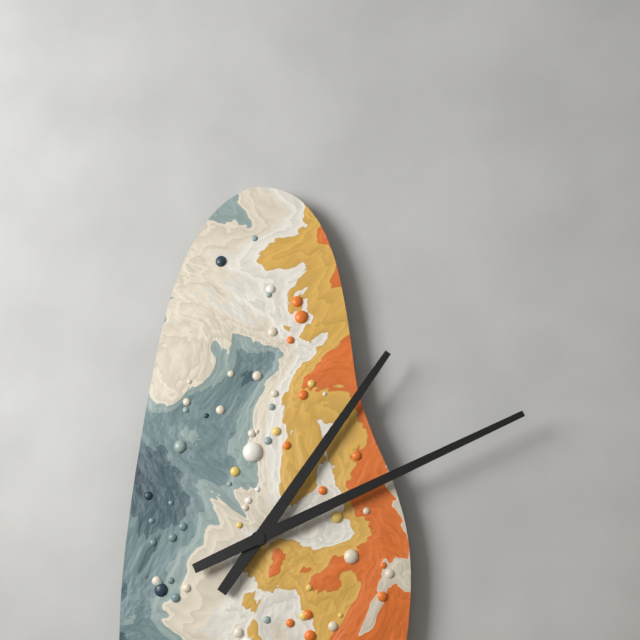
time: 1:11
